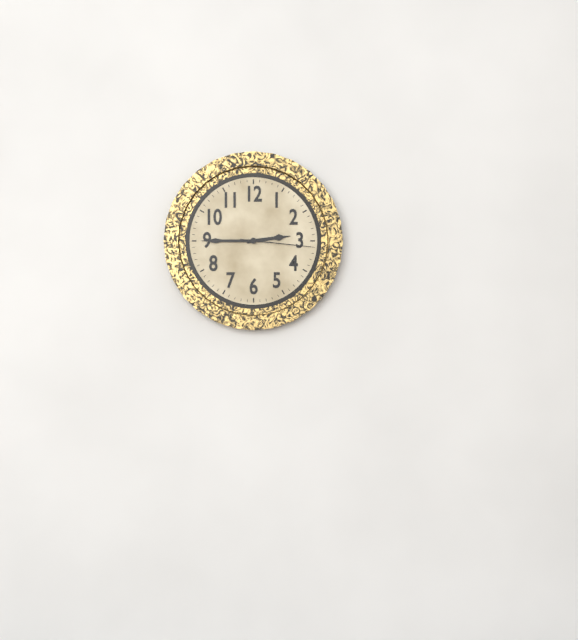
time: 2:45:16
